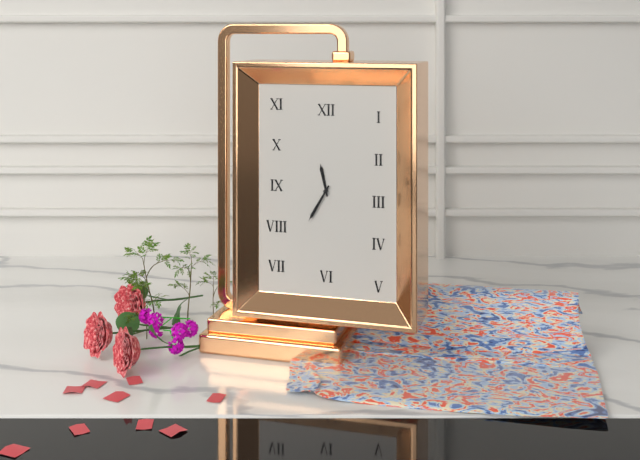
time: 11:35
